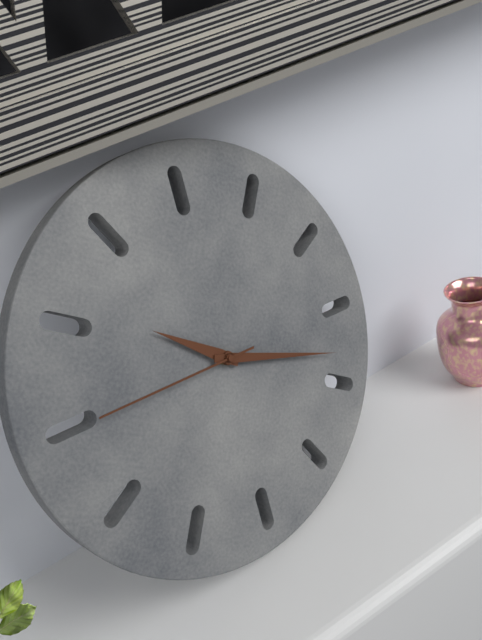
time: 9:13:40
